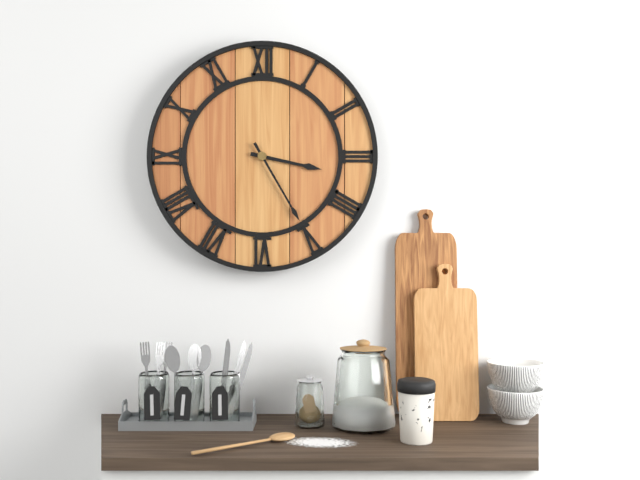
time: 3:25
